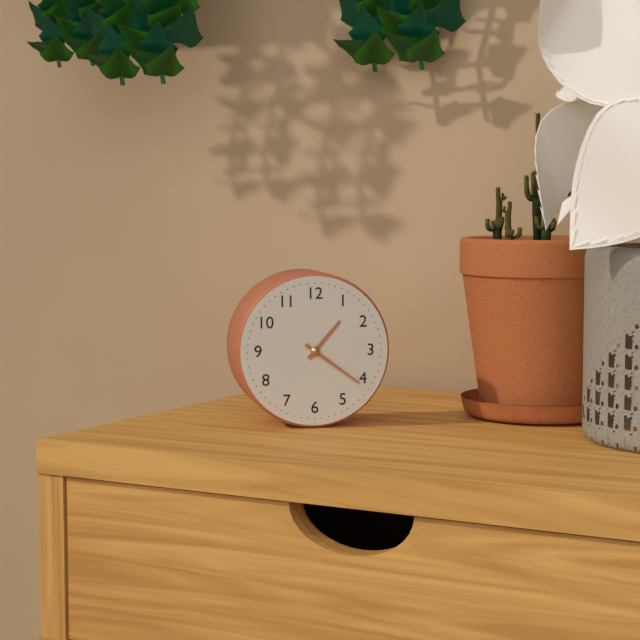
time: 1:21
